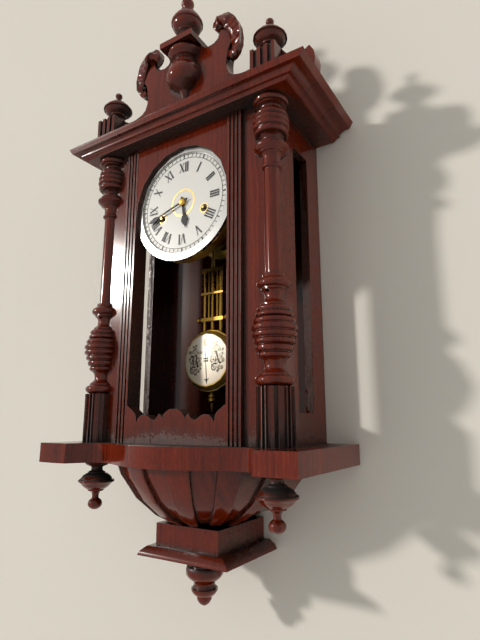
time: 5:42
